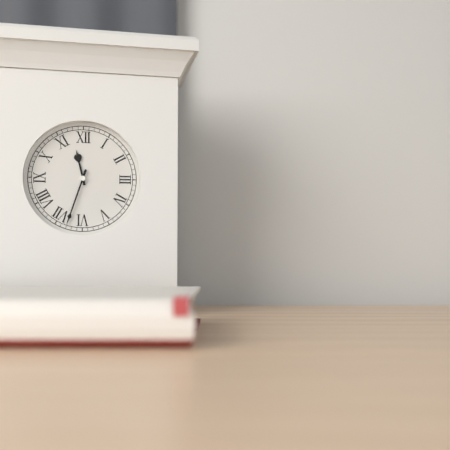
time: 11:33
